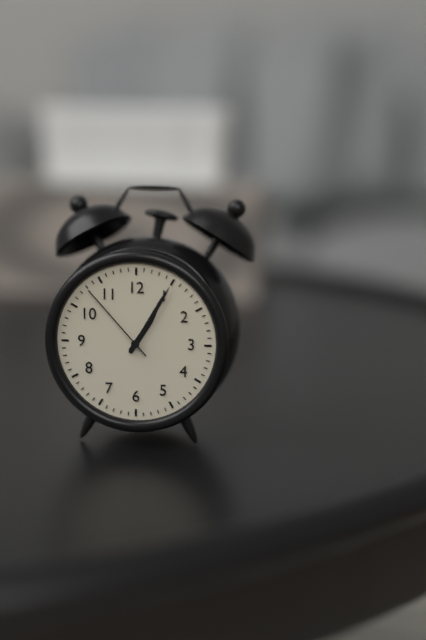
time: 1:05:53
